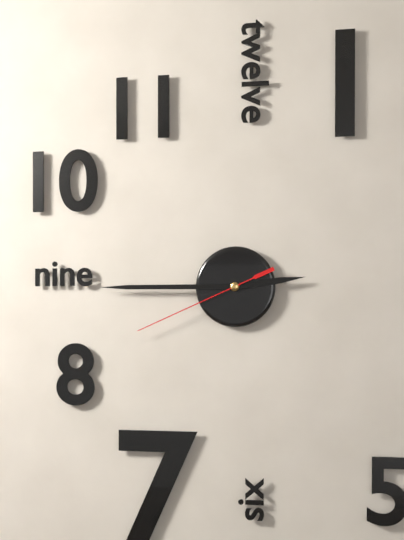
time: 2:45:41
